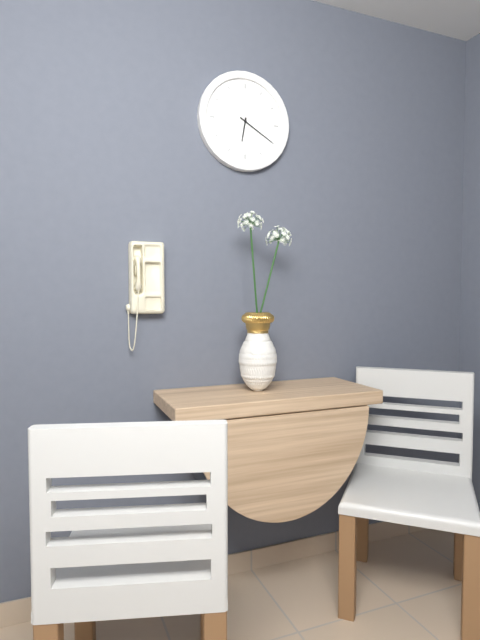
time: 6:20
